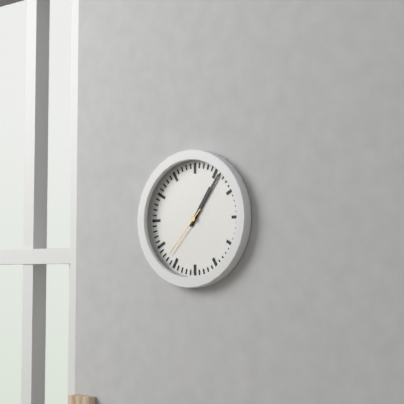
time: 1:06:37
